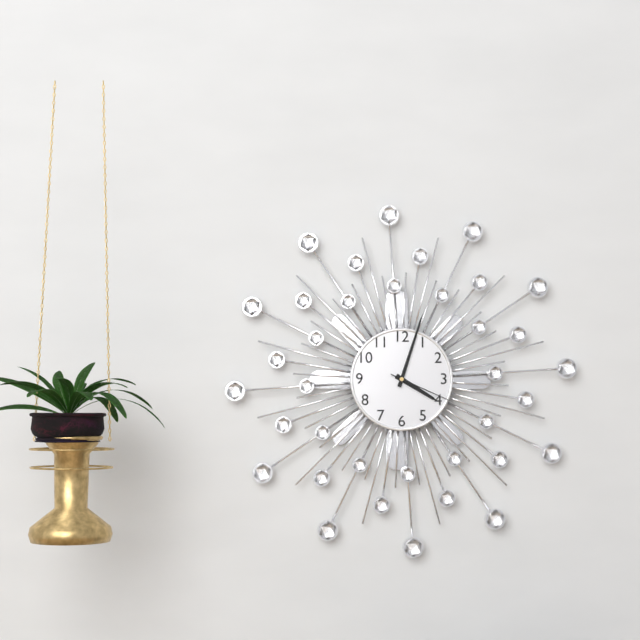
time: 4:03:19
